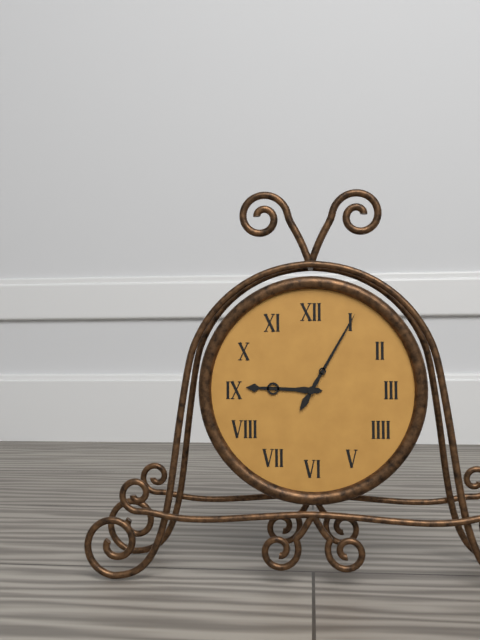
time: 9:05
